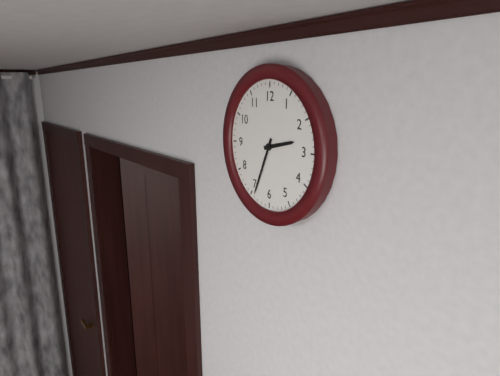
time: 2:34
